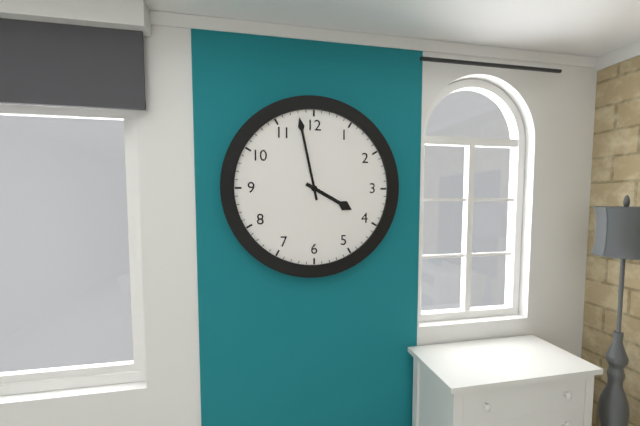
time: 3:58
